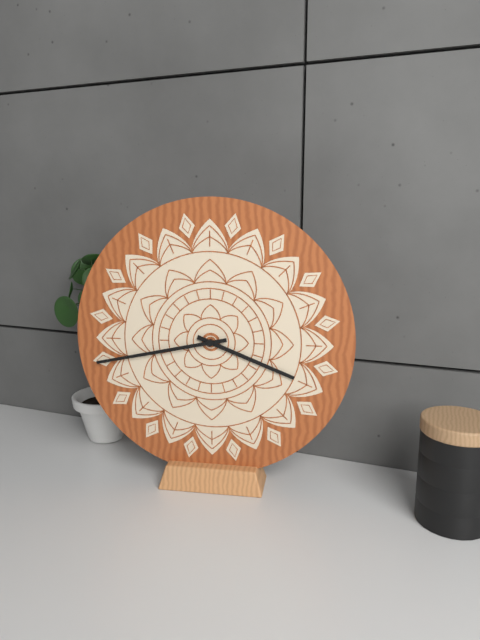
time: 3:43
